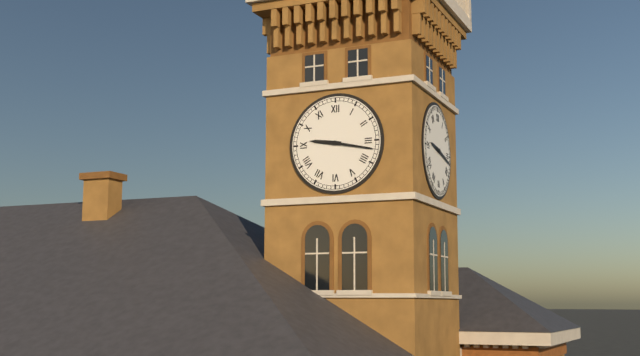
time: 9:17
